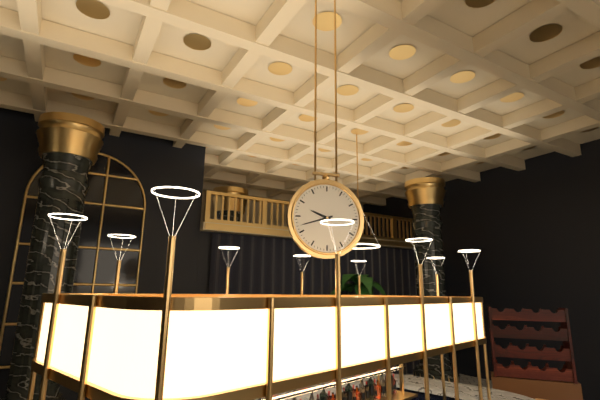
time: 9:42
